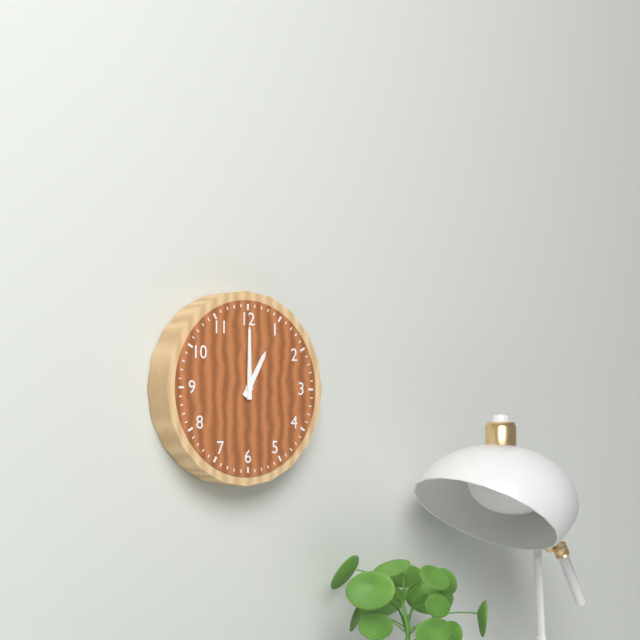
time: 1:00
